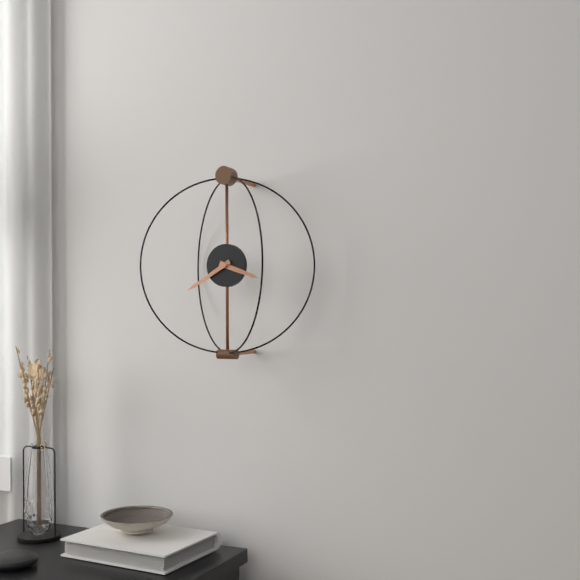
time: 3:40
